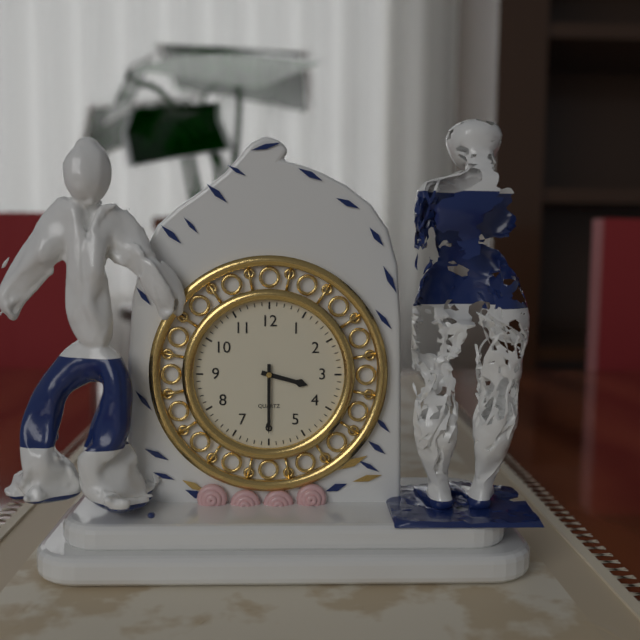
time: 3:30
